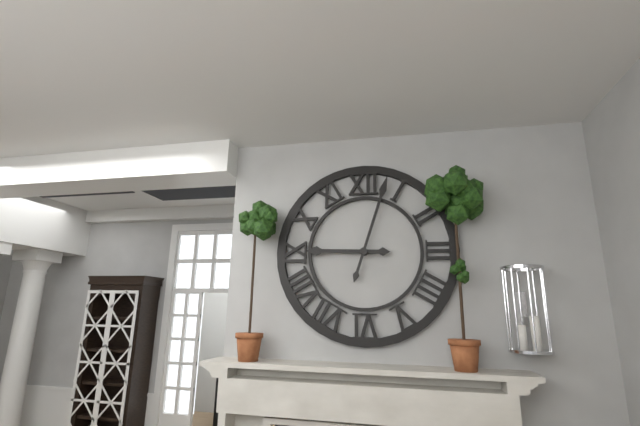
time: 9:03
